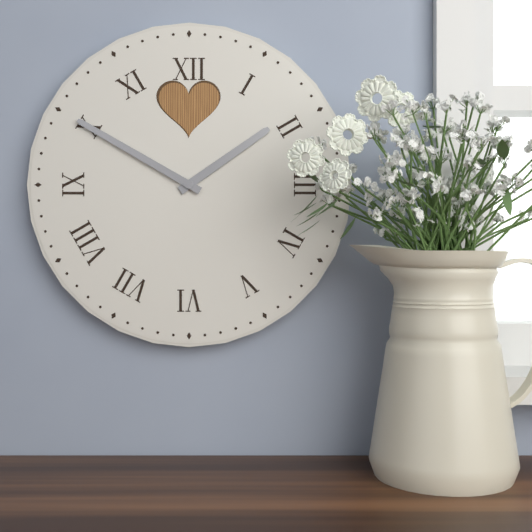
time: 1:50
